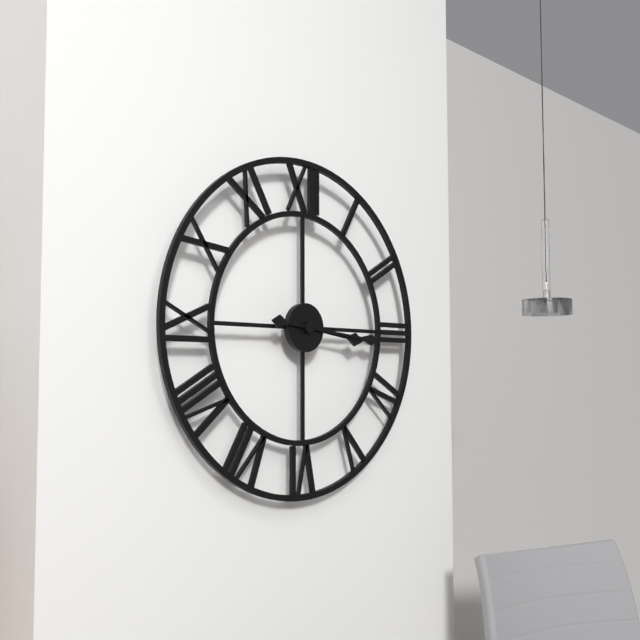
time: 3:16
